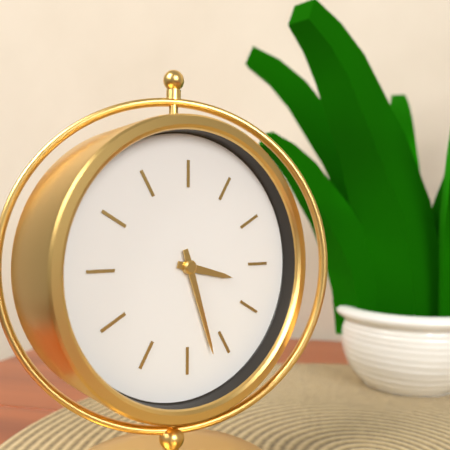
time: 3:27
